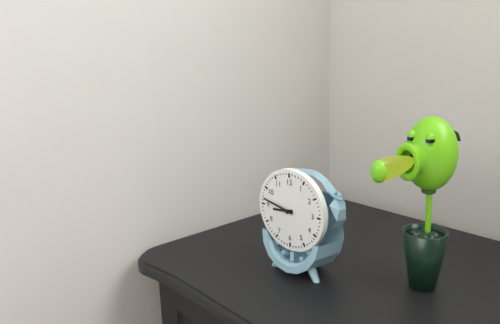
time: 8:47
